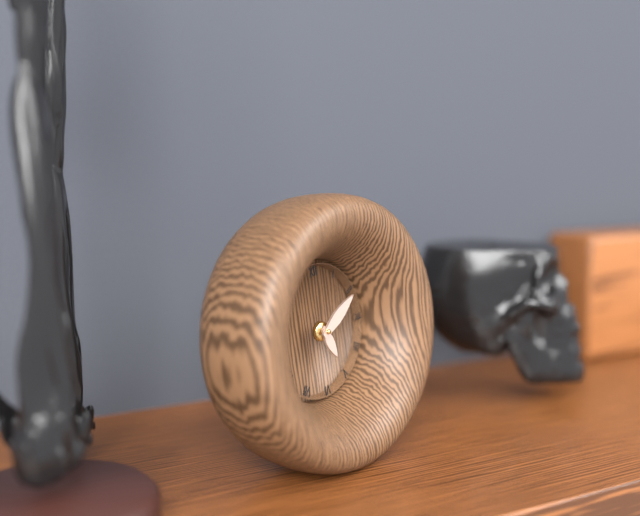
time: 5:10
